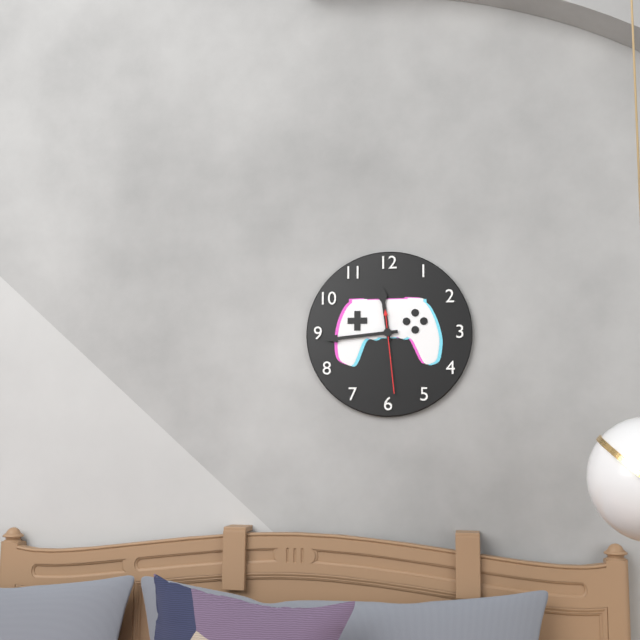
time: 11:44:29
